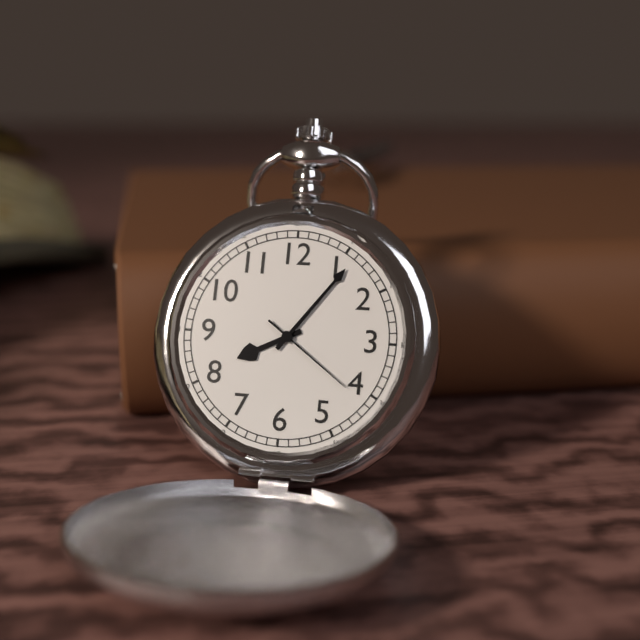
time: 8:06:21
